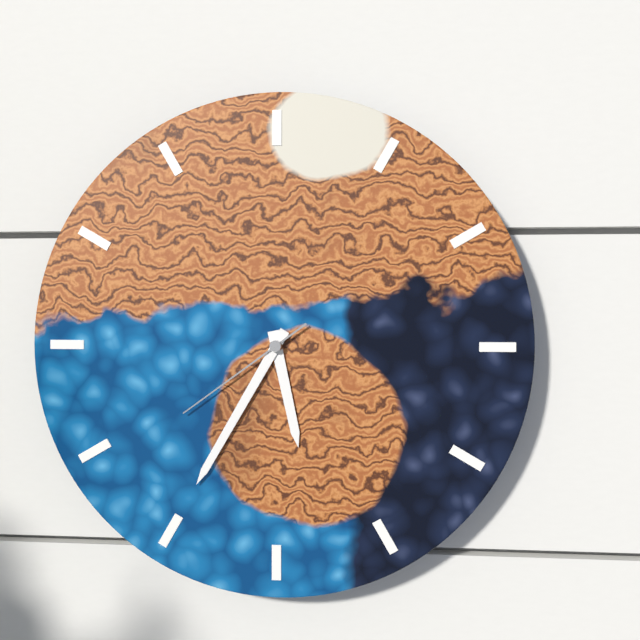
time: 5:35:39
